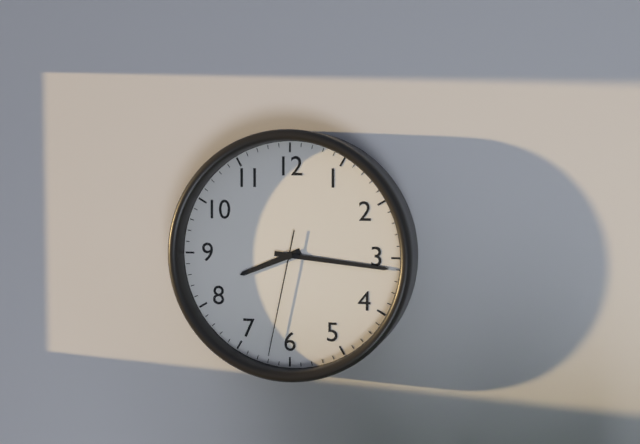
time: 8:16:32
